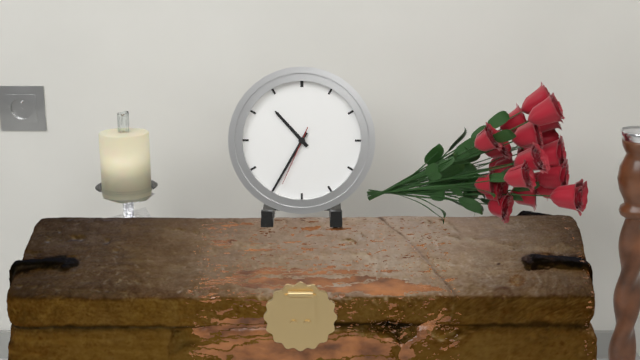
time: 10:35:34
